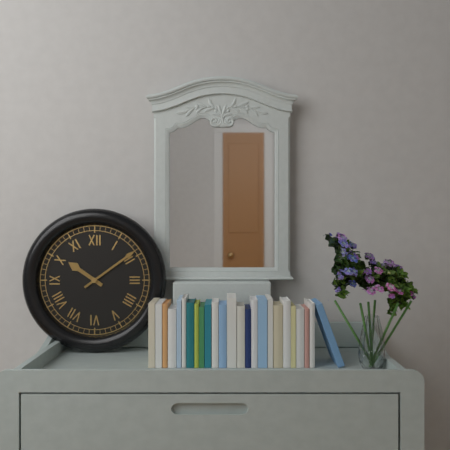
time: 10:09
